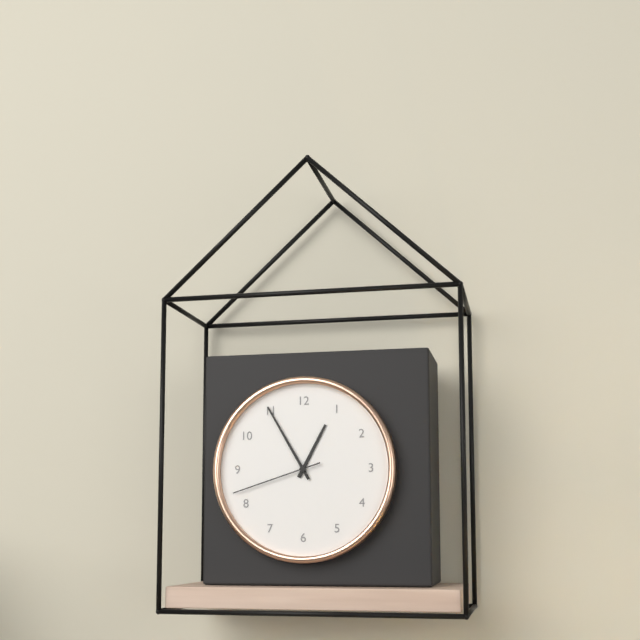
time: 12:55:42
